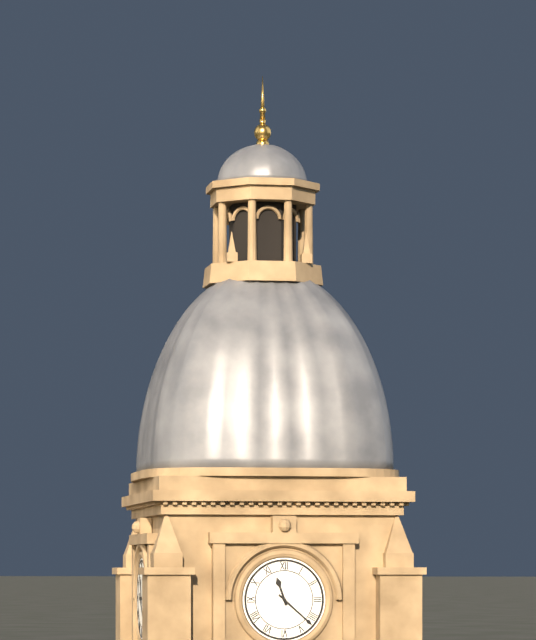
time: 11:22
